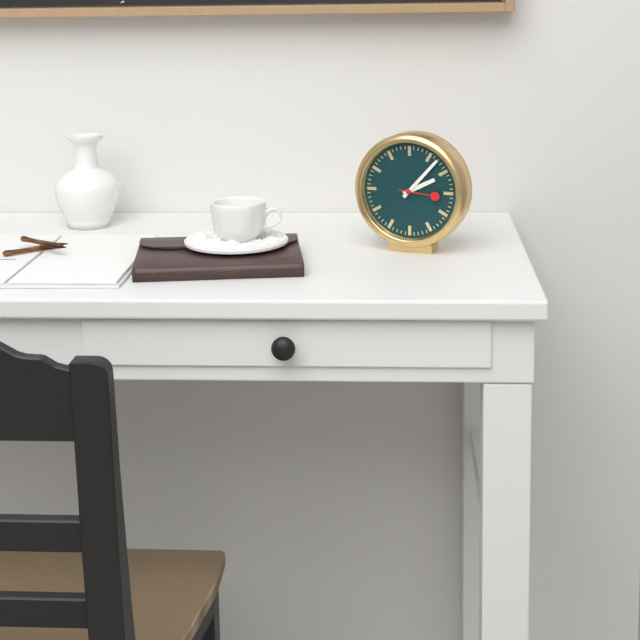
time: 2:07
